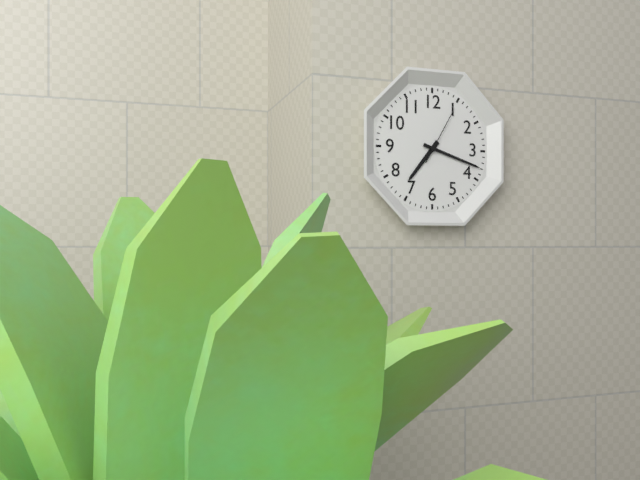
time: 7:18:05
